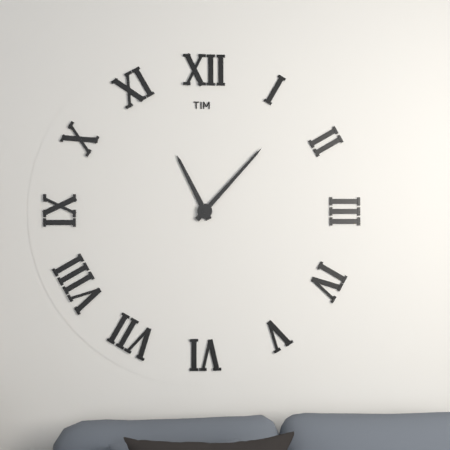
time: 11:07
